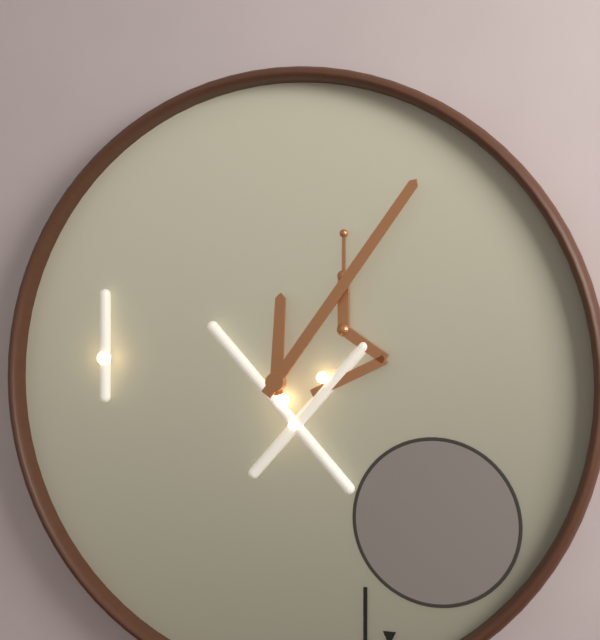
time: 12:06
